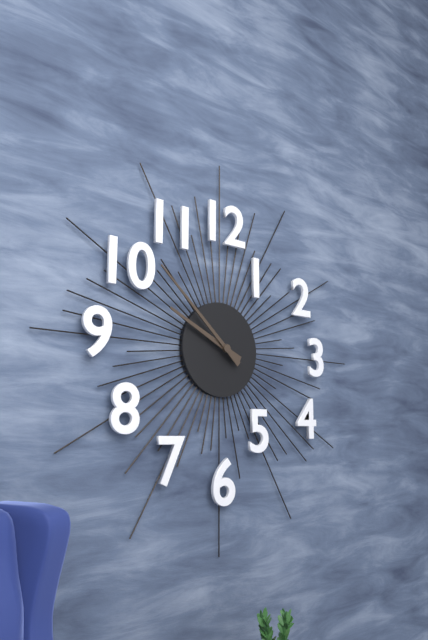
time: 9:52
